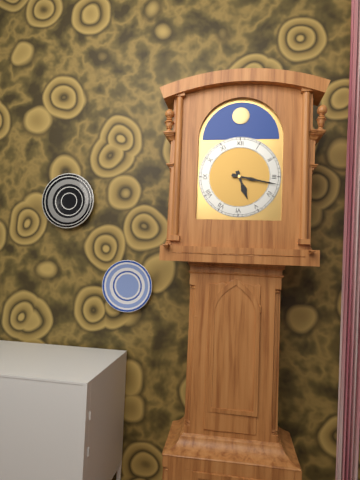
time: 5:17
